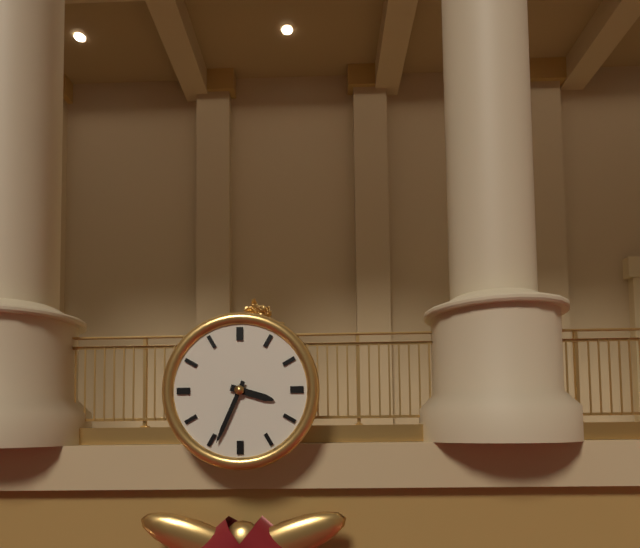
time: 3:34
